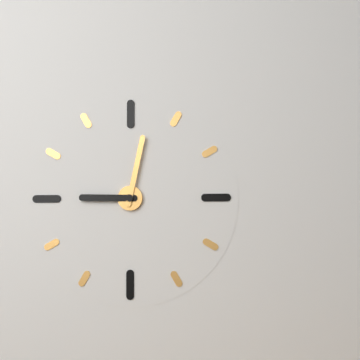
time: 9:02
